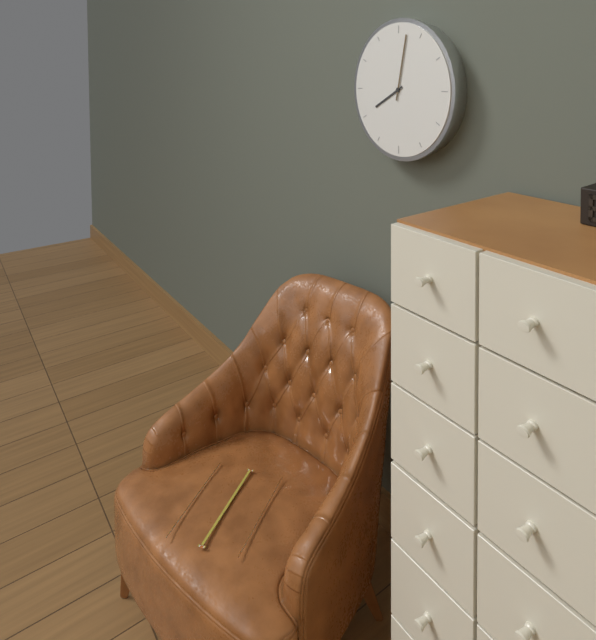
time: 8:02
